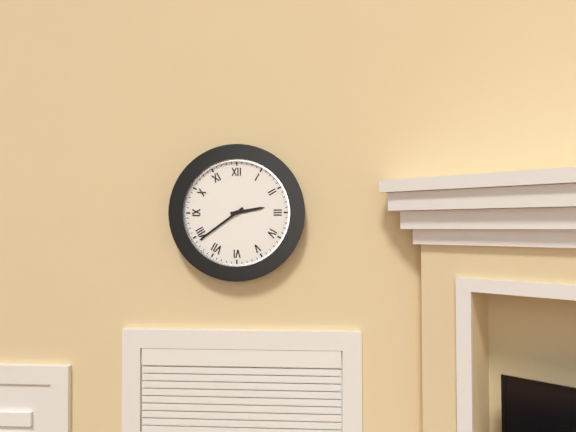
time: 2:39
